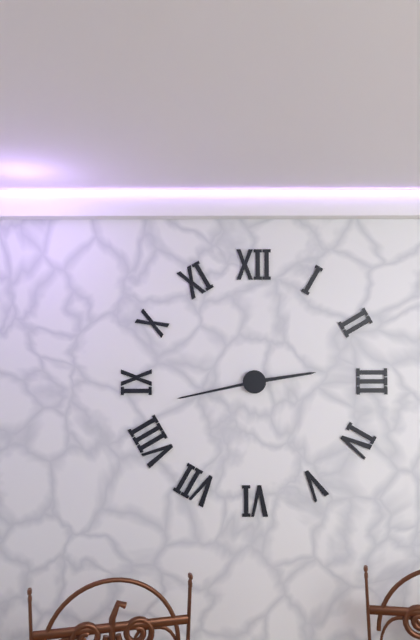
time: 2:43
